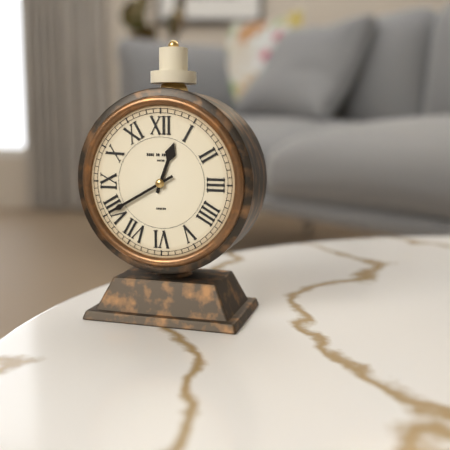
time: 12:40
